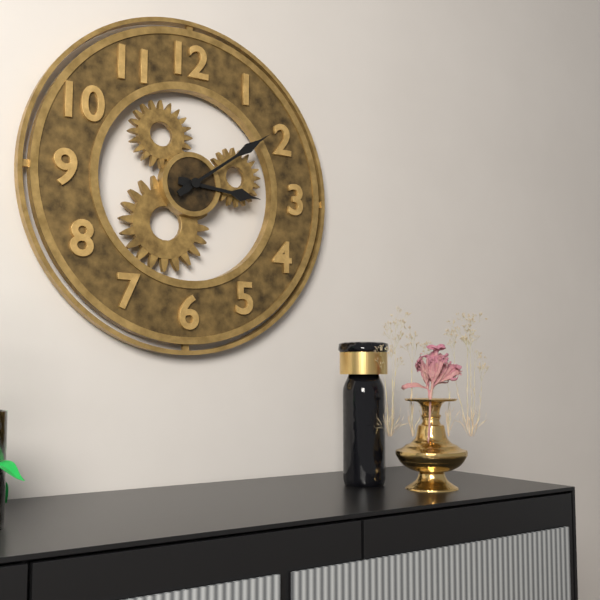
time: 3:09
